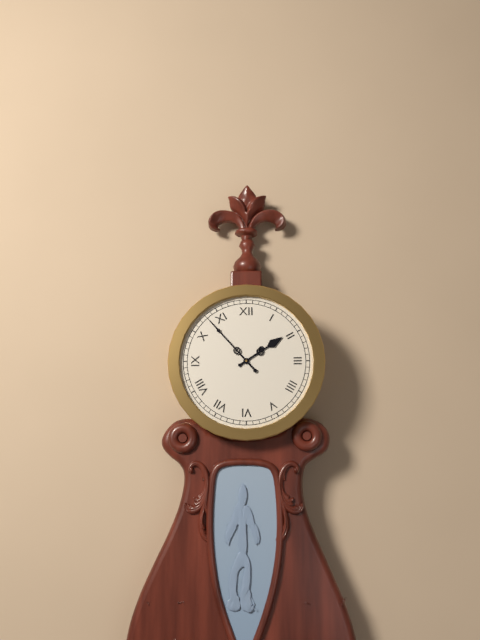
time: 1:53
